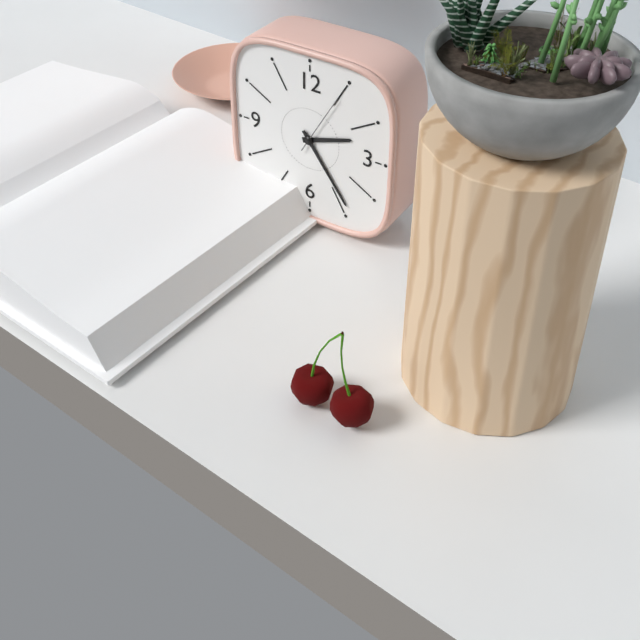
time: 2:24:05
